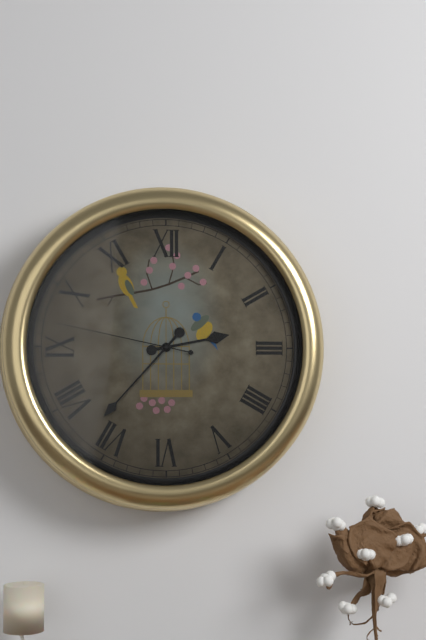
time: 2:37:47
